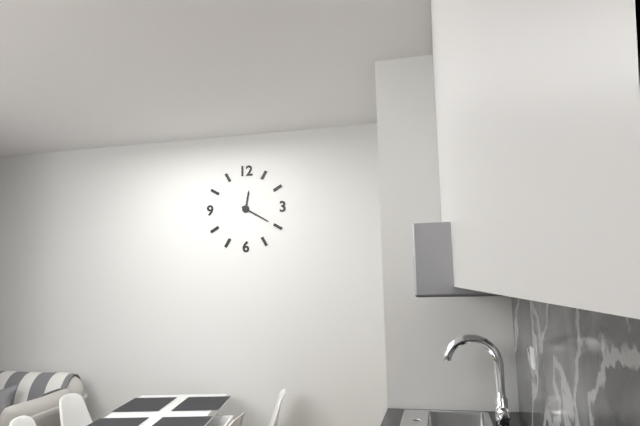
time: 12:20
